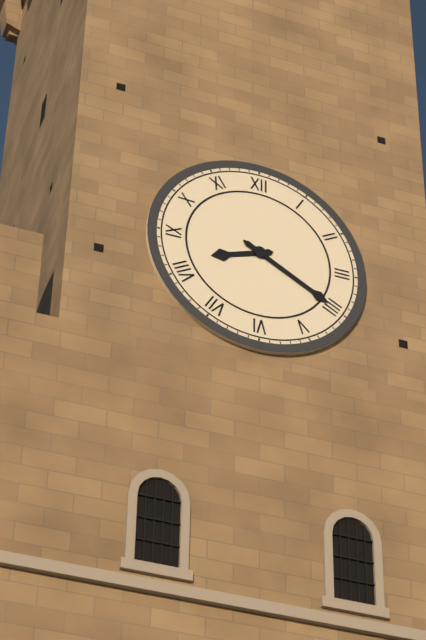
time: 8:20
